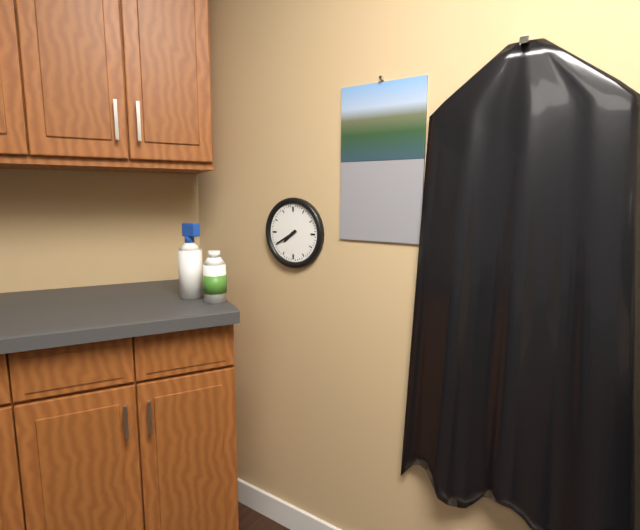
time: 7:40
